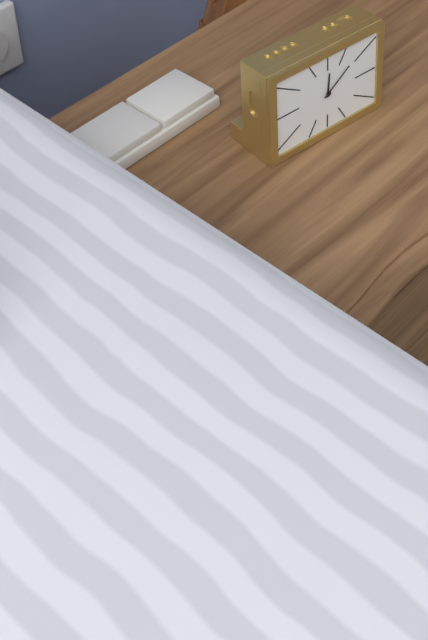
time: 12:09
